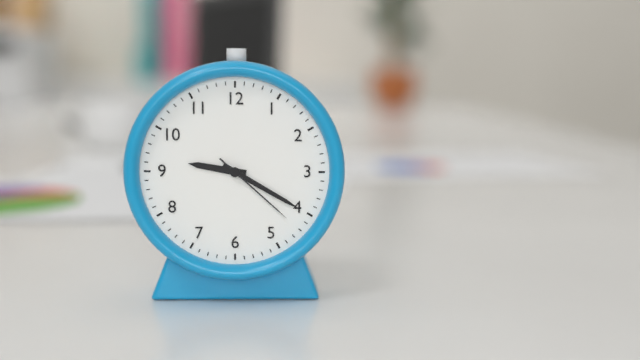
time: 9:20:22
